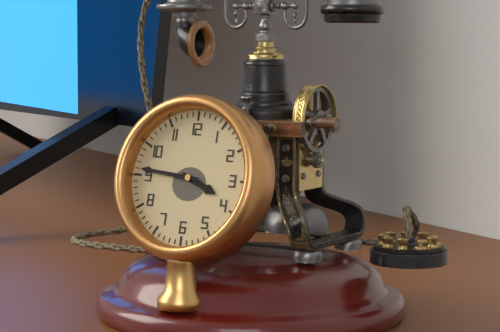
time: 3:46
